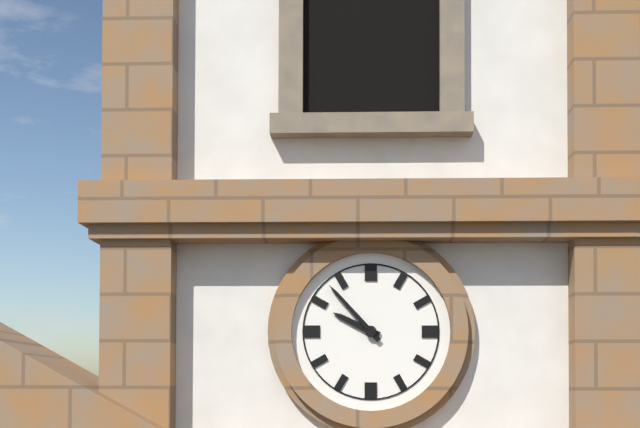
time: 9:53
